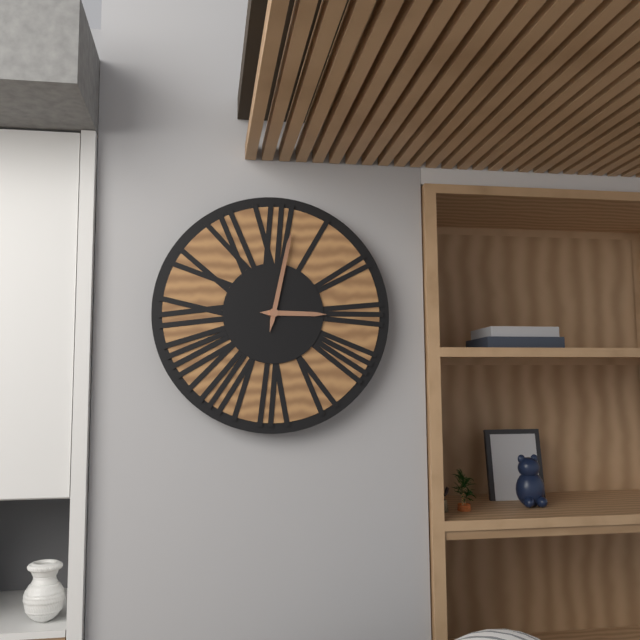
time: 3:02
